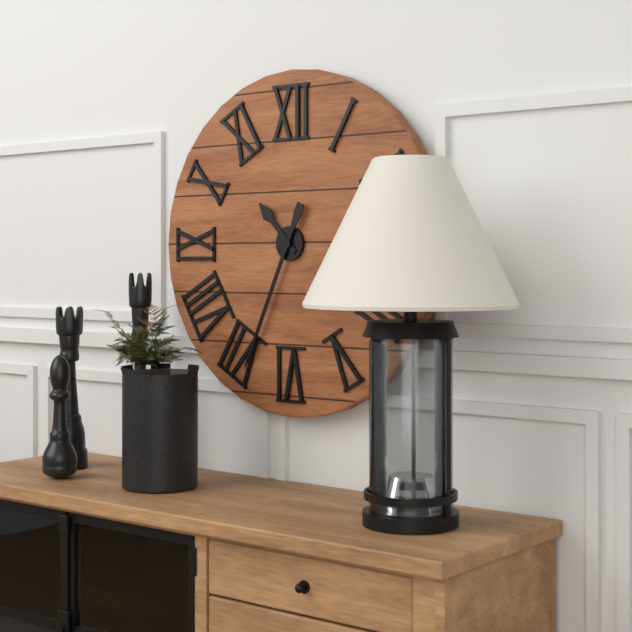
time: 10:34
